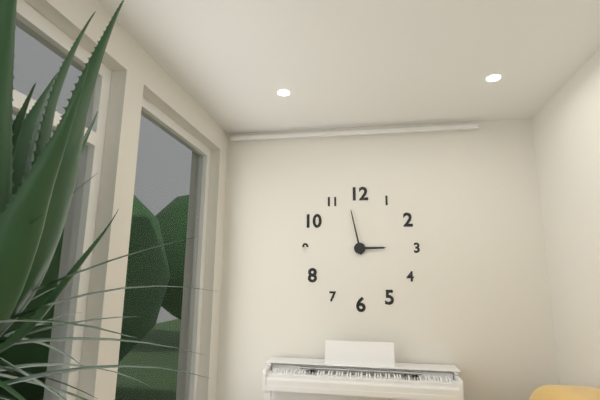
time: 2:58
